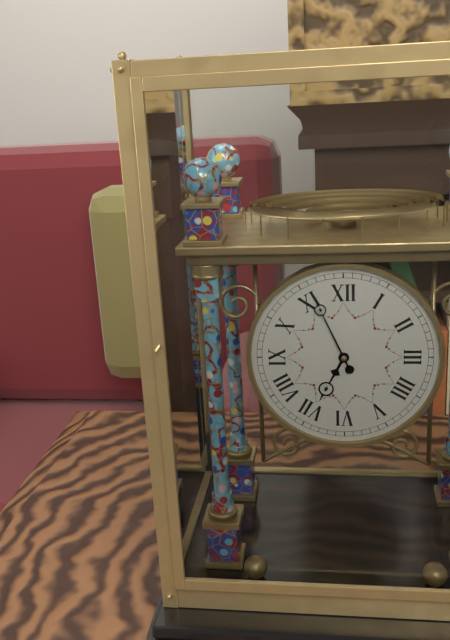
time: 6:56
